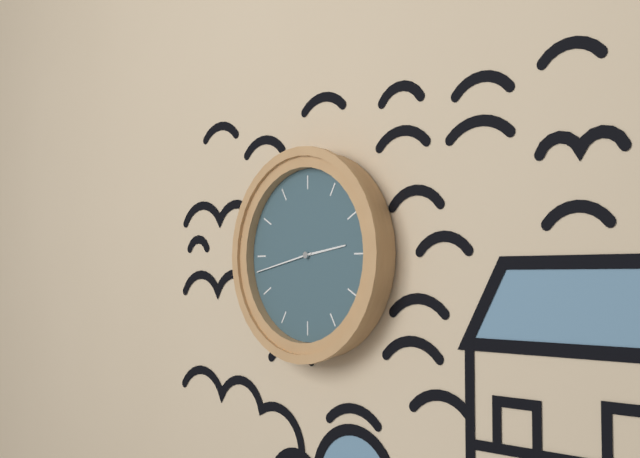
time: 2:43
